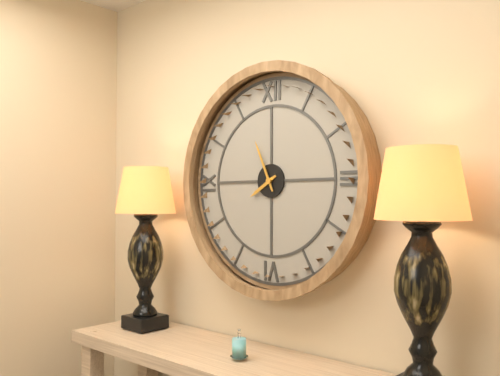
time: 7:56
